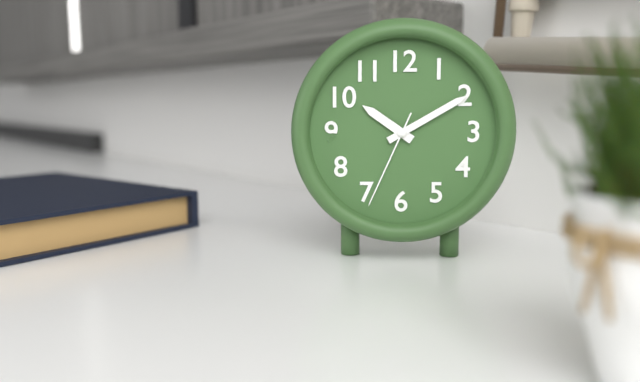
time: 10:10:34
